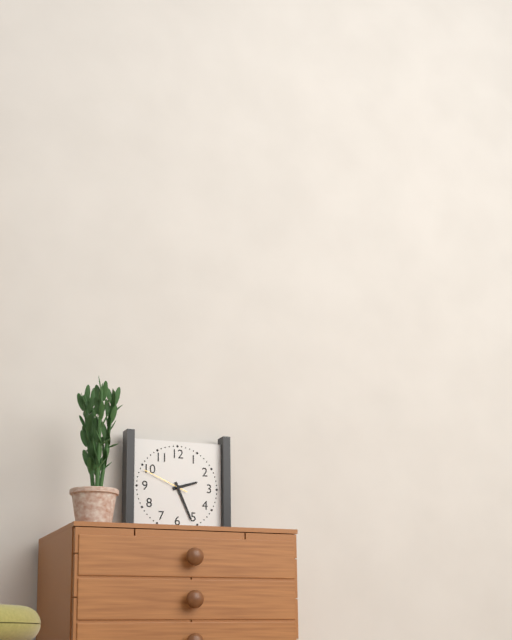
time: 2:26
